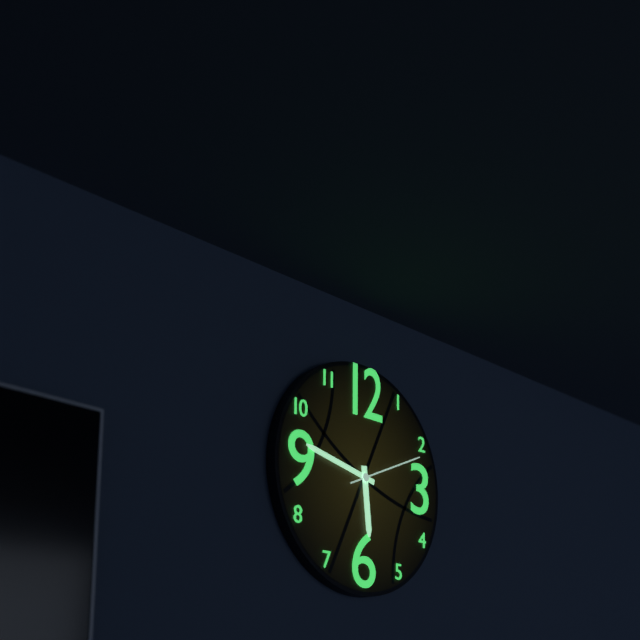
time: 5:47:11
